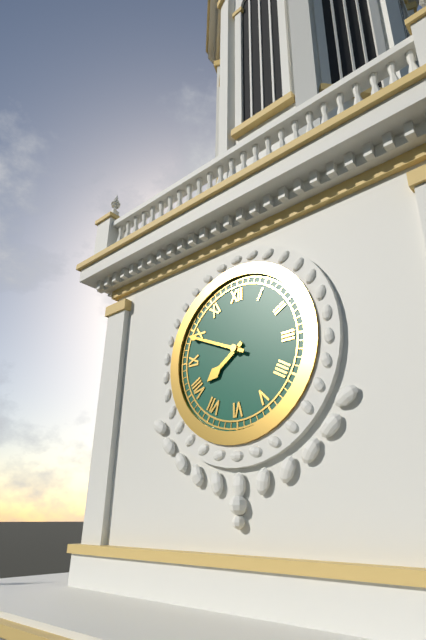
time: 7:49
